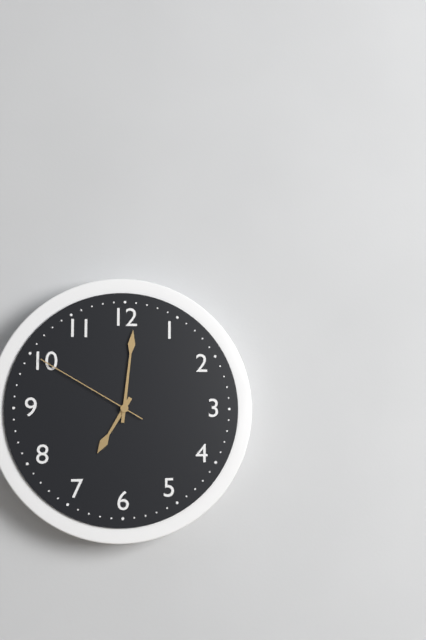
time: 7:01:50
